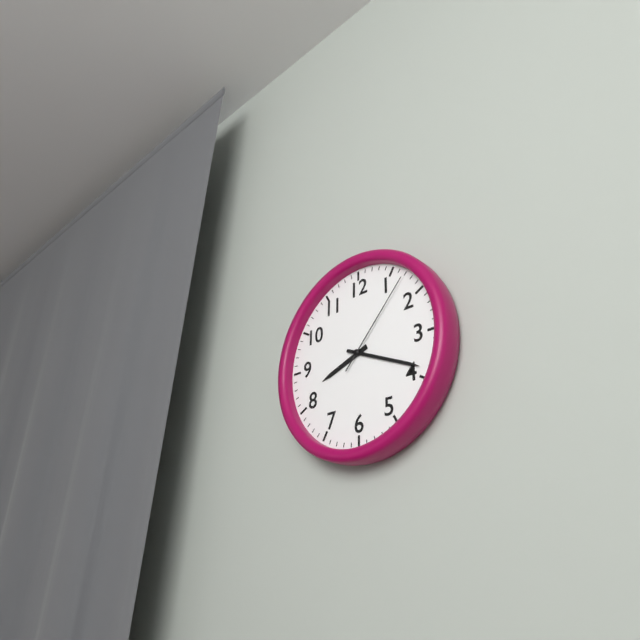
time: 8:19:07
